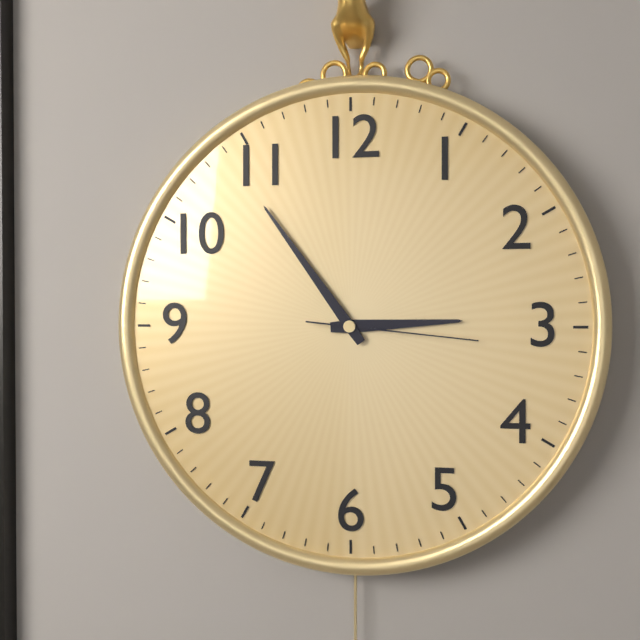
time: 2:54:16
